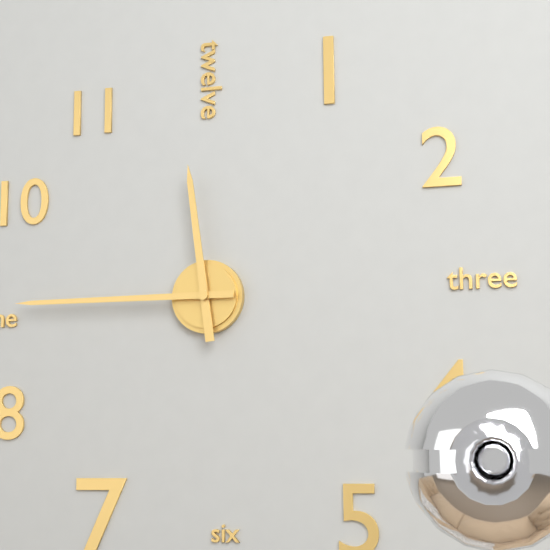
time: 11:45
